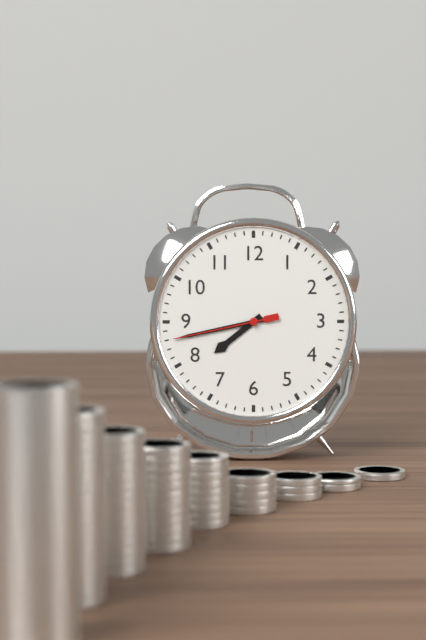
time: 7:43:43
